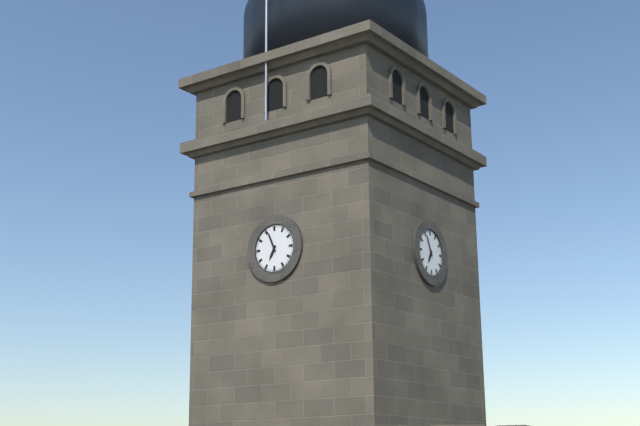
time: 6:56
